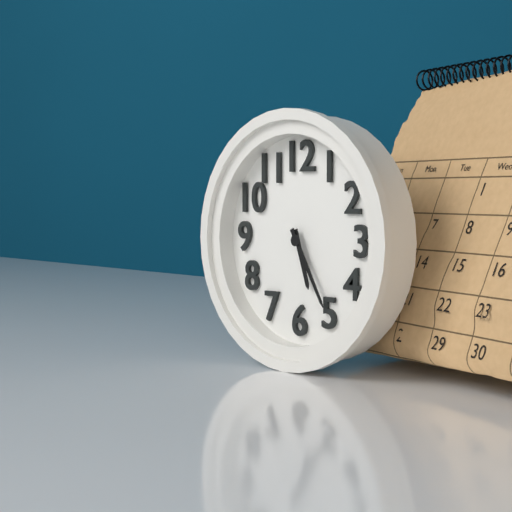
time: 5:25
